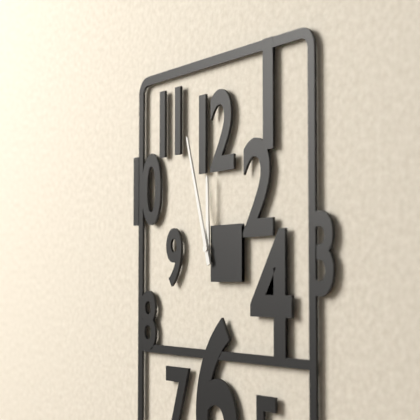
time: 11:57
